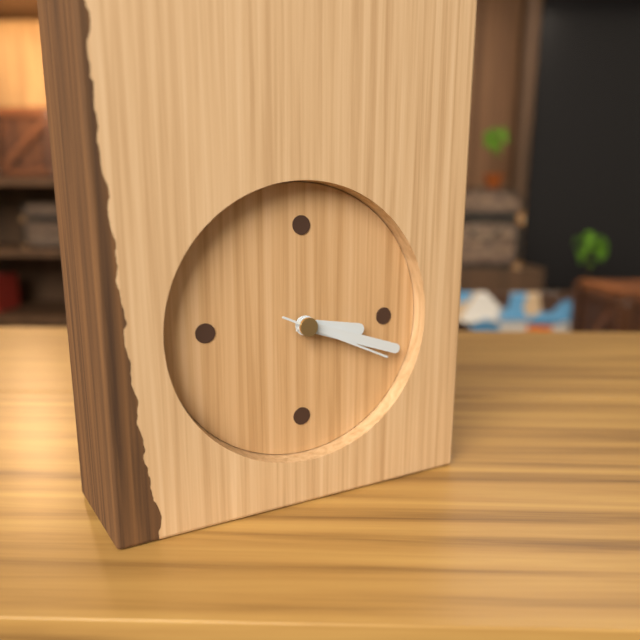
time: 3:18:19
